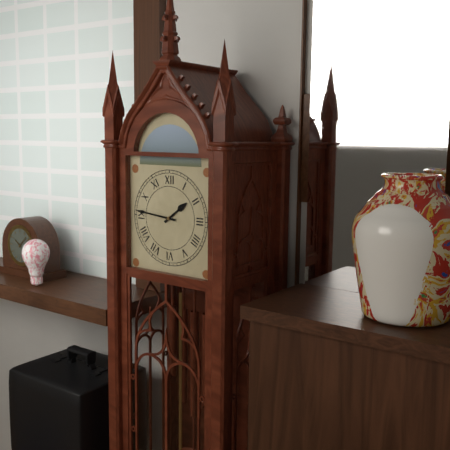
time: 1:46
